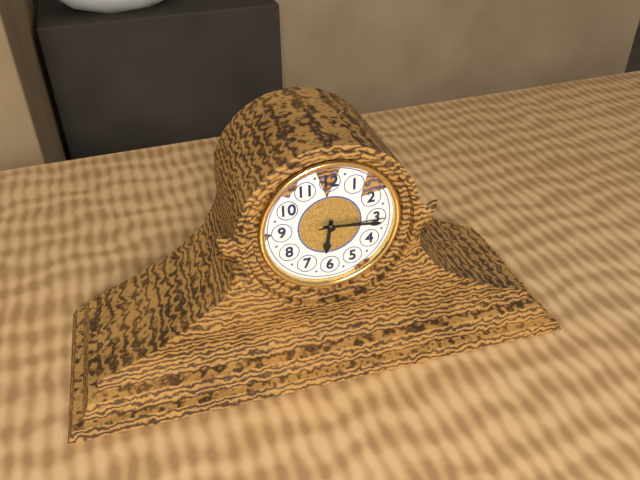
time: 6:16:15
